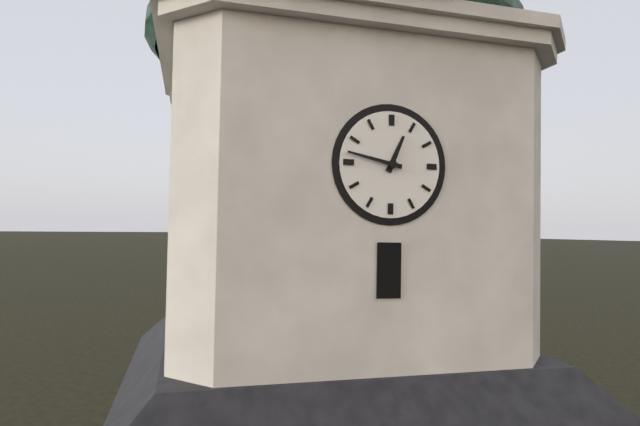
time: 12:47
